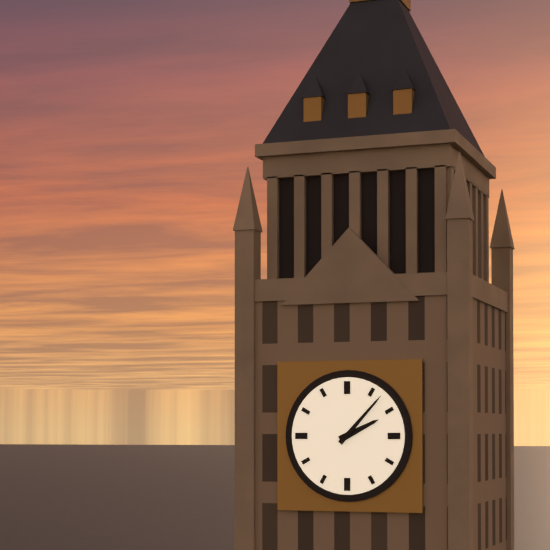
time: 2:07
